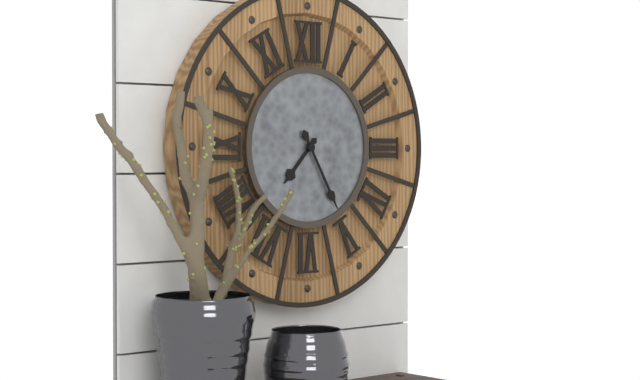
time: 7:25
